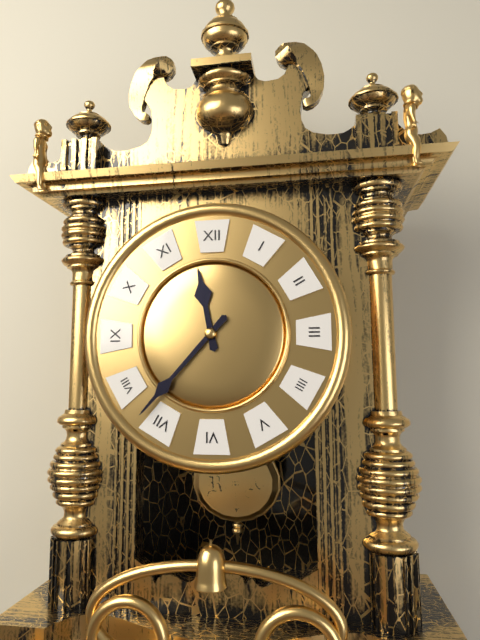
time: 11:37
